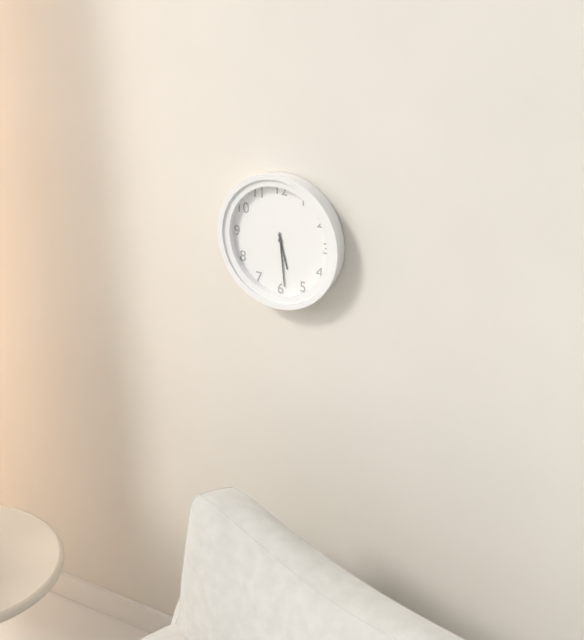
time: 5:29
